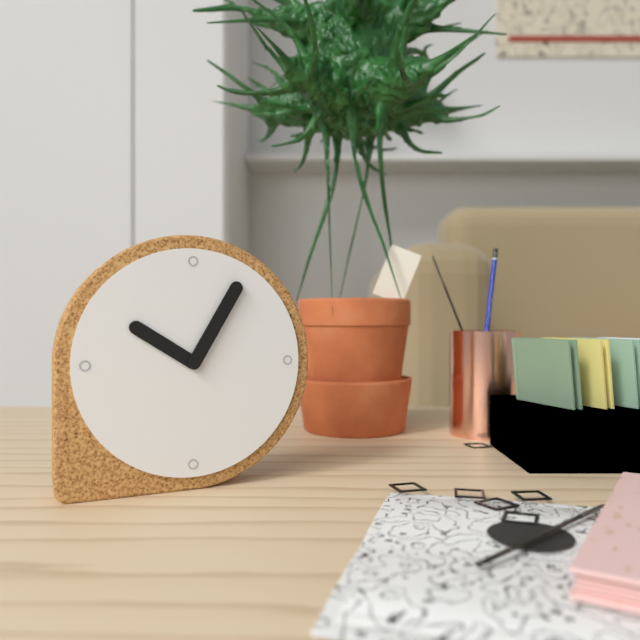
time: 10:05
